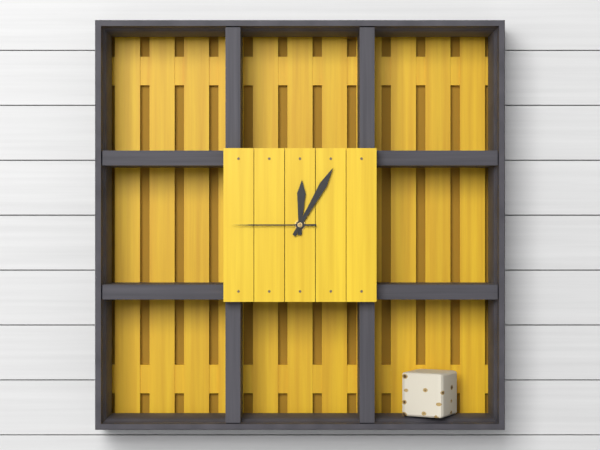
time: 12:05:45
